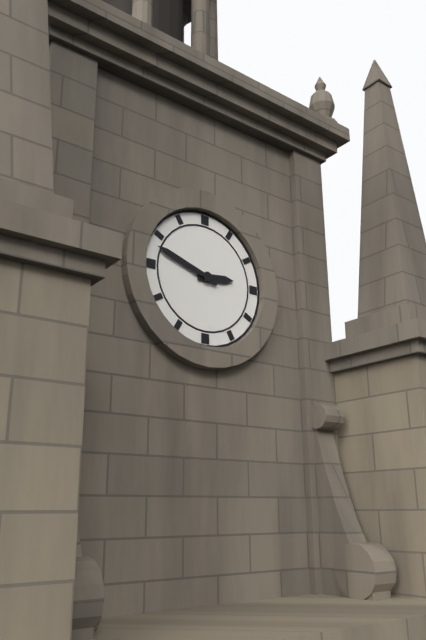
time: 2:48
